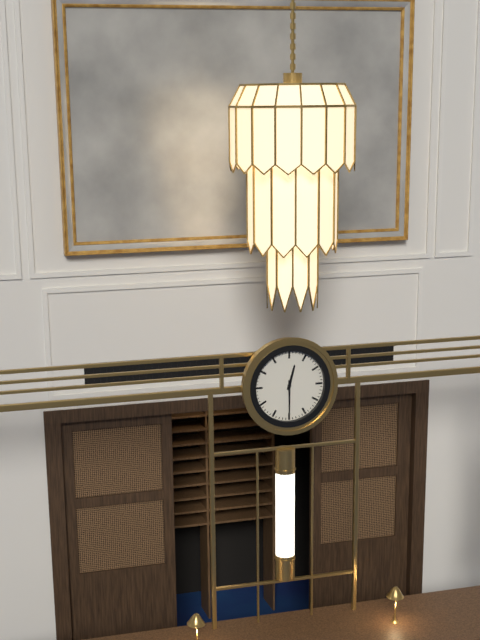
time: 12:30
